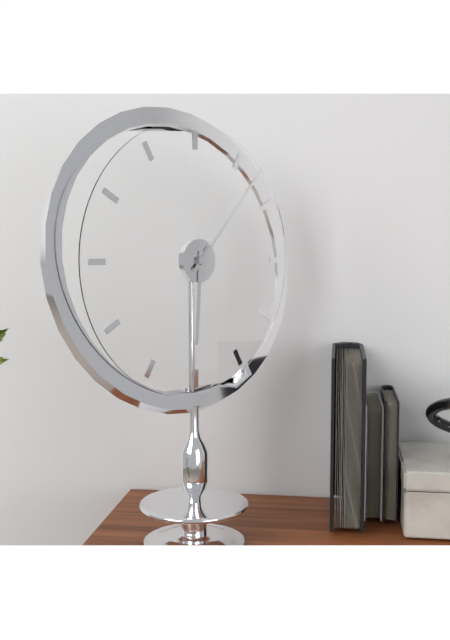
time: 6:07
